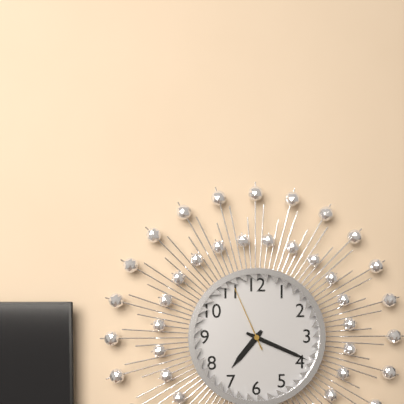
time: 7:19:56
